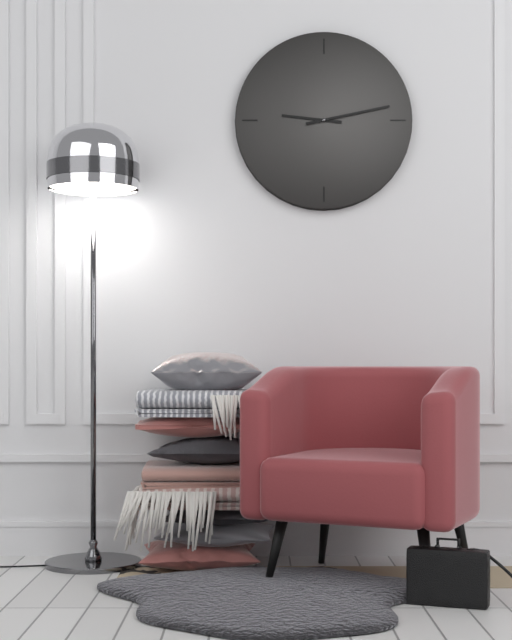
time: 9:13
